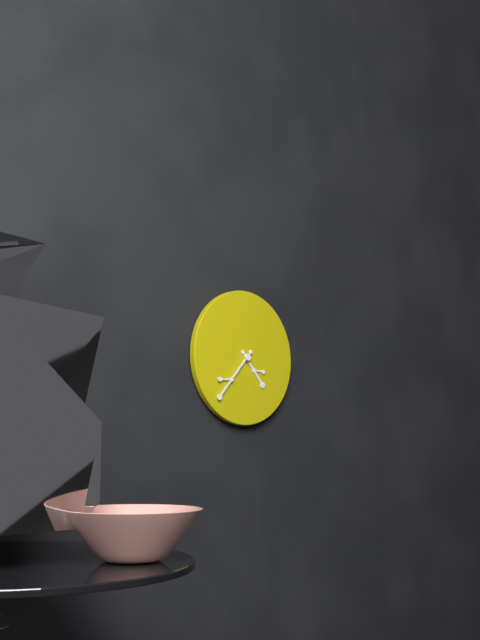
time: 4:37
